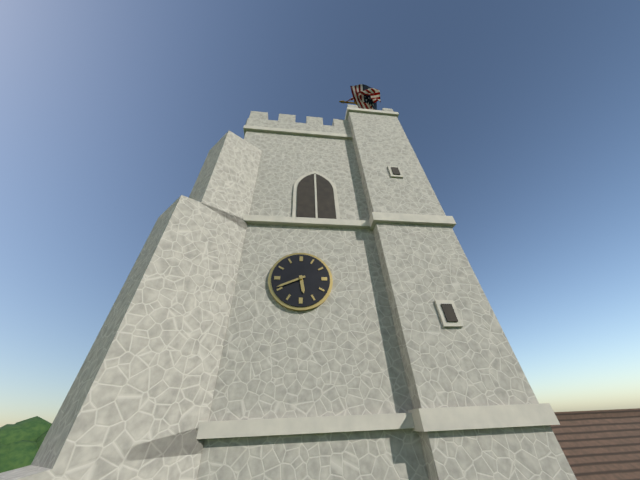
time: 5:41
